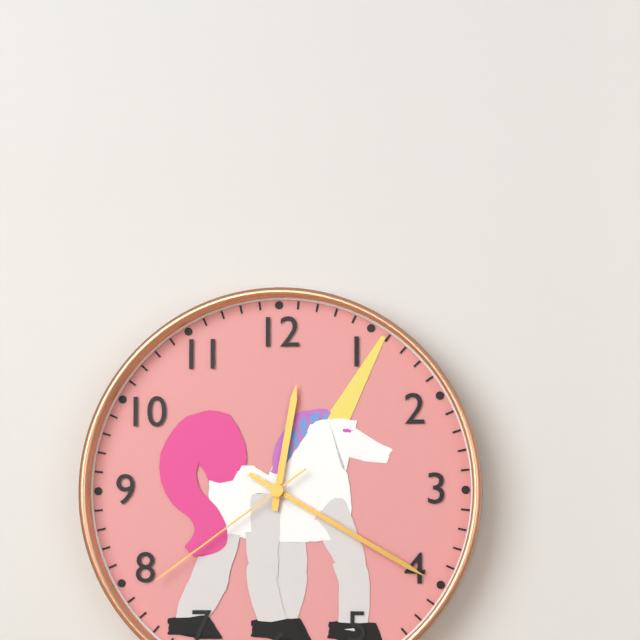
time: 12:20:39
